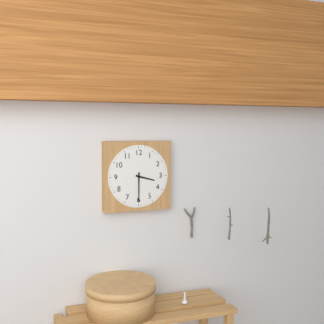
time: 3:30
